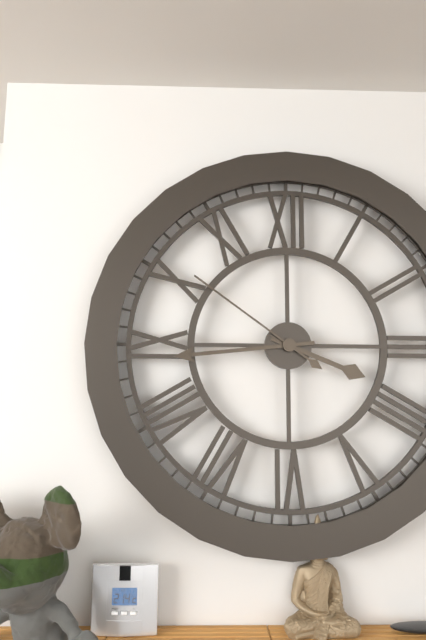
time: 3:44:51
